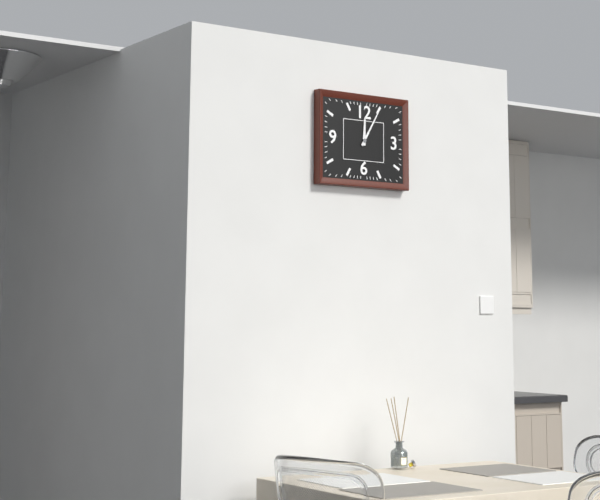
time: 12:05
